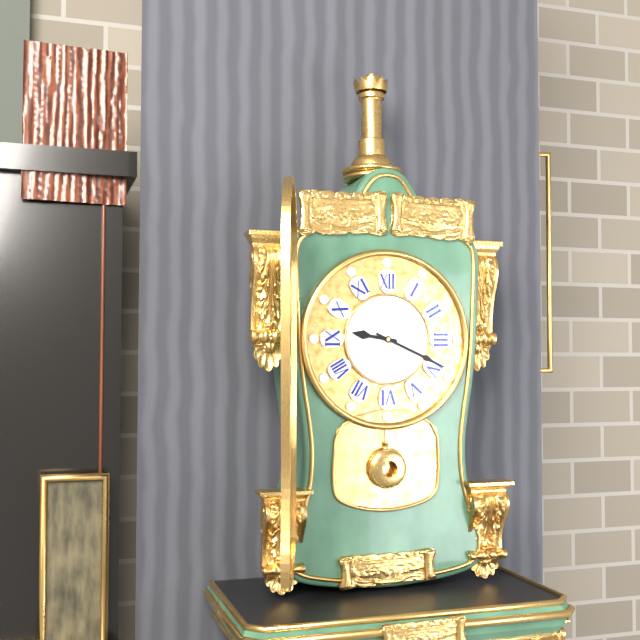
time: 9:19
